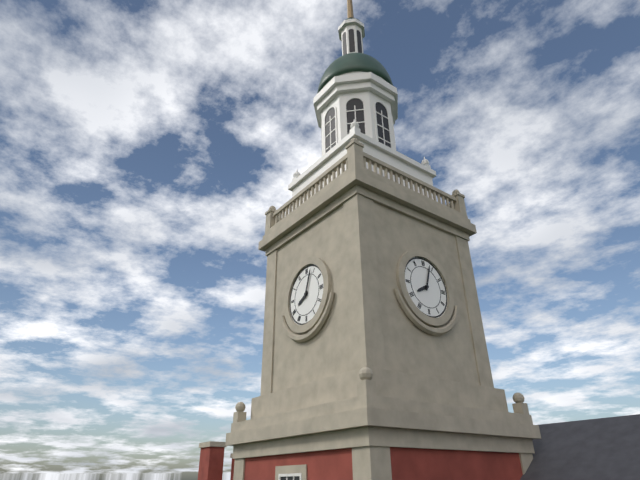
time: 8:03
